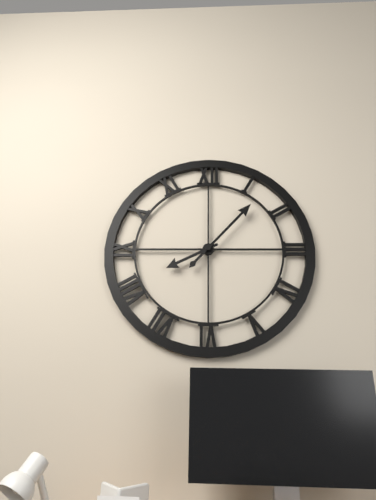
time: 8:07
